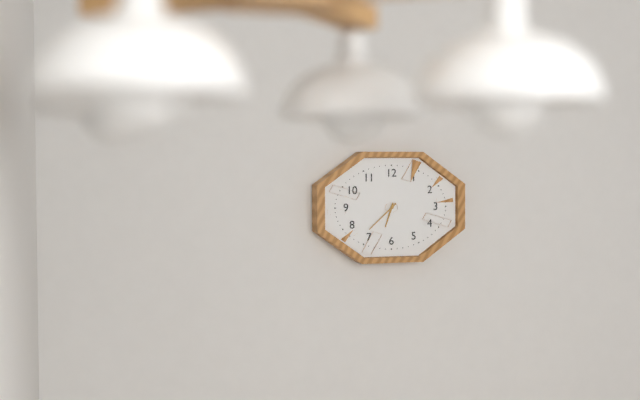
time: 6:38
